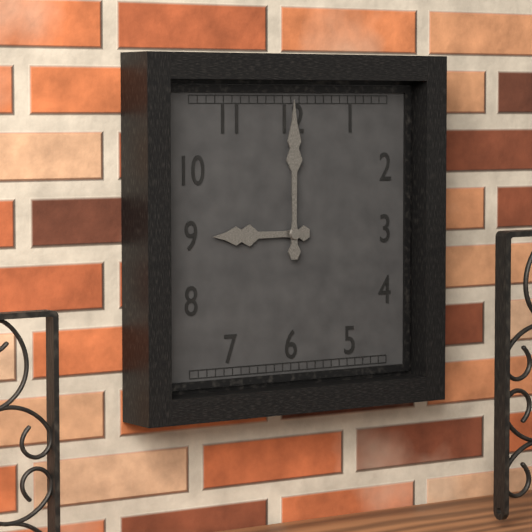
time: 9:00
